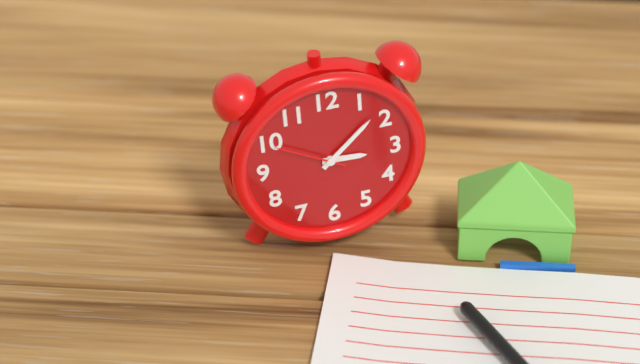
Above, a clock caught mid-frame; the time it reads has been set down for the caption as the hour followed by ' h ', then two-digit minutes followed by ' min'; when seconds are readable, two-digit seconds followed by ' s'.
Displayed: 3 h 08 min 50 s
